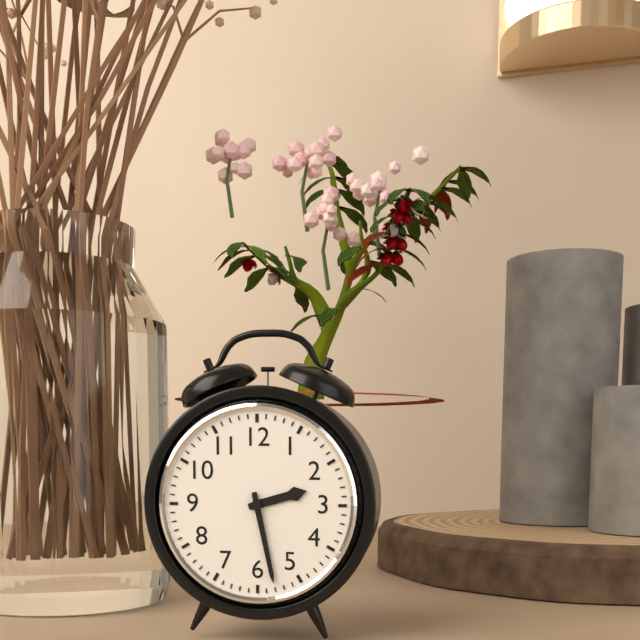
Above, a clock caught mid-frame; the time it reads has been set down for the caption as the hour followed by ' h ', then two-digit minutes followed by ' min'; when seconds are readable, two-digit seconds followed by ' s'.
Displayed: 2 h 28 min
